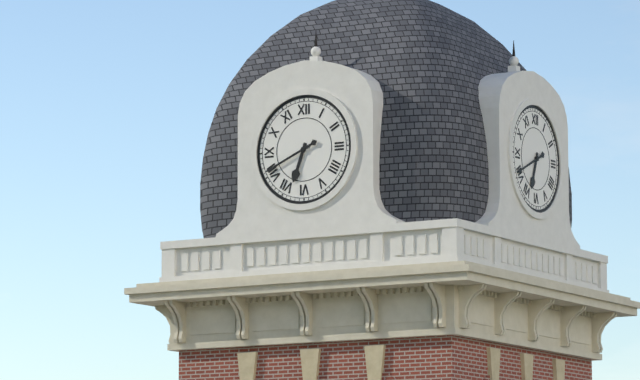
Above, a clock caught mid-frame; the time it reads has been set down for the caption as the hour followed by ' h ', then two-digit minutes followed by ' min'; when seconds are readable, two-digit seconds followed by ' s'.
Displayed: 6 h 41 min
